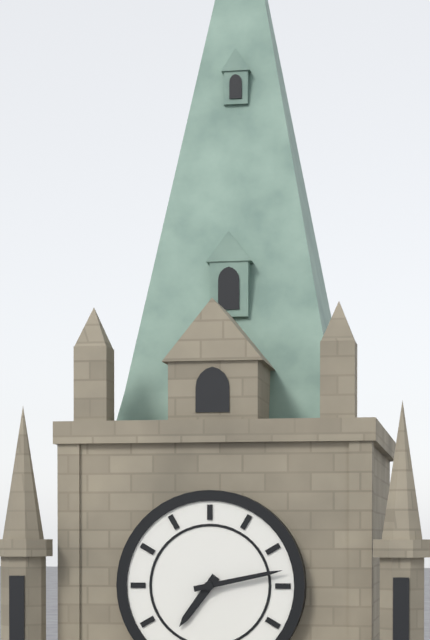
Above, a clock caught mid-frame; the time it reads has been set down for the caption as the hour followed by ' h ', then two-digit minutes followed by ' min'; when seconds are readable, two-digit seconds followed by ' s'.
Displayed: 7 h 13 min
